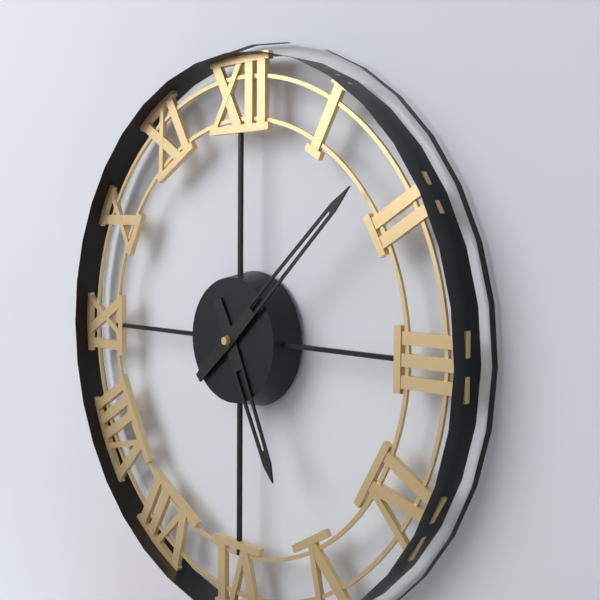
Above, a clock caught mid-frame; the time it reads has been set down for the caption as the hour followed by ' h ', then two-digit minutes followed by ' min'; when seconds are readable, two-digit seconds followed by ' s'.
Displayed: 5 h 08 min
